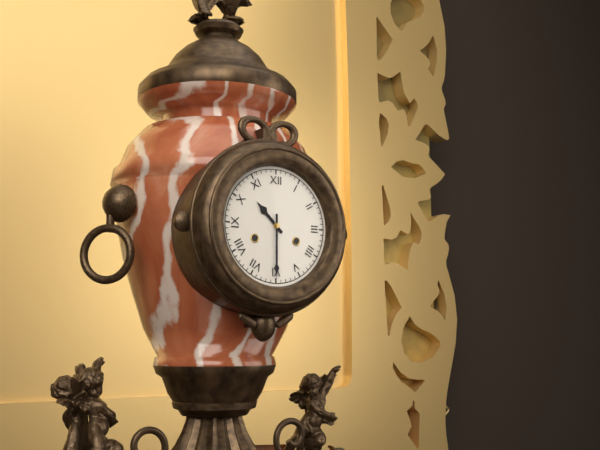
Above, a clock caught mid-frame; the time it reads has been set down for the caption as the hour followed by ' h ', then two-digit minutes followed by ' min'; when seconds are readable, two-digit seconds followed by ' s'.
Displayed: 10 h 30 min
